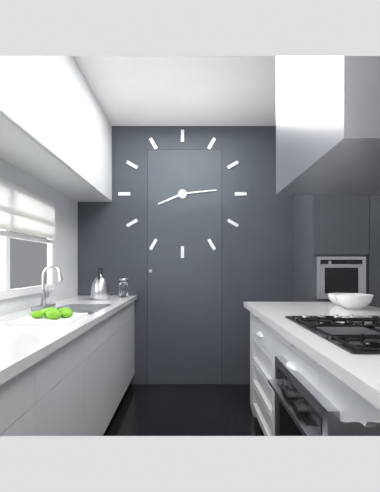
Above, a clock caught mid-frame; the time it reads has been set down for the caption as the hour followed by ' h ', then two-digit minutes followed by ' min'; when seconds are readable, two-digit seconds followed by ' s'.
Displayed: 8 h 14 min
